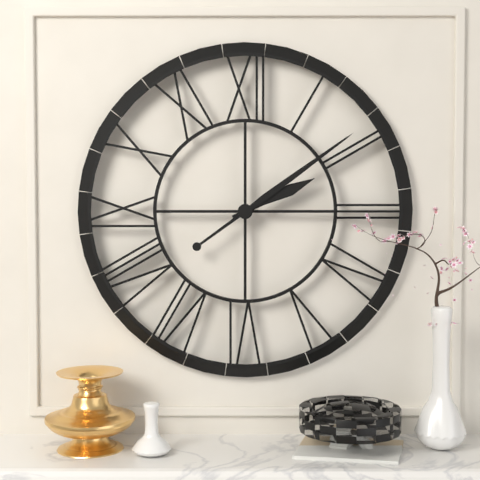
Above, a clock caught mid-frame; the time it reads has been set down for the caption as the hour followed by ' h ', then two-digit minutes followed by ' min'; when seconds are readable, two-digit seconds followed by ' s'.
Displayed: 2 h 09 min
